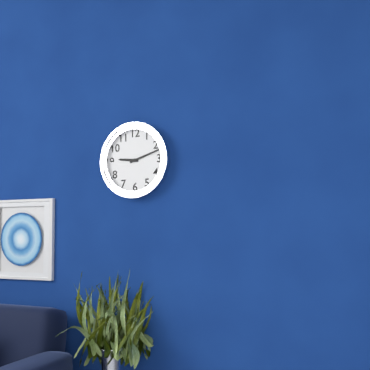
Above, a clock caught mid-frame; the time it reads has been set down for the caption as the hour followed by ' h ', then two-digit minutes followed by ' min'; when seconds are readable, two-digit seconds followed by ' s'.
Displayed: 9 h 12 min
